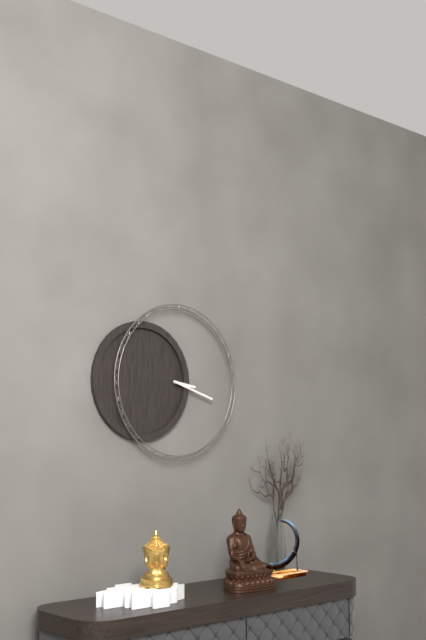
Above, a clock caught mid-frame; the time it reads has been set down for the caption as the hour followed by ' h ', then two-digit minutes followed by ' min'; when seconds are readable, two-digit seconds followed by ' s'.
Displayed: 3 h 18 min
